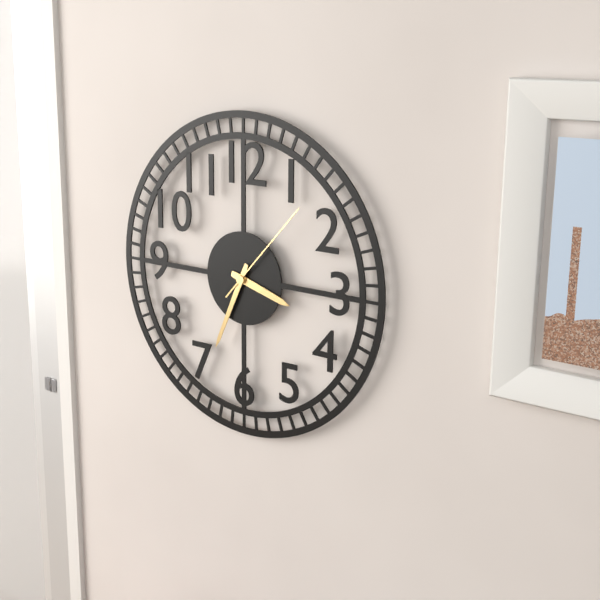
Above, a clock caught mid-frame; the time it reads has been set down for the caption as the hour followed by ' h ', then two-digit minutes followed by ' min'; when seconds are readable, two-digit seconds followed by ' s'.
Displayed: 3 h 34 min 07 s
